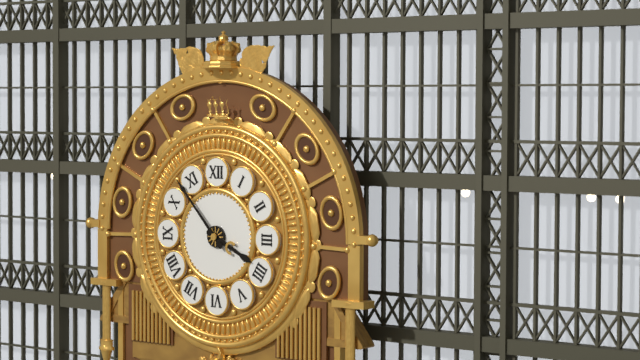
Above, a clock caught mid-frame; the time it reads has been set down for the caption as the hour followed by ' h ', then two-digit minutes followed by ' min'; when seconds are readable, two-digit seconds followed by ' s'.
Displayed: 3 h 53 min
